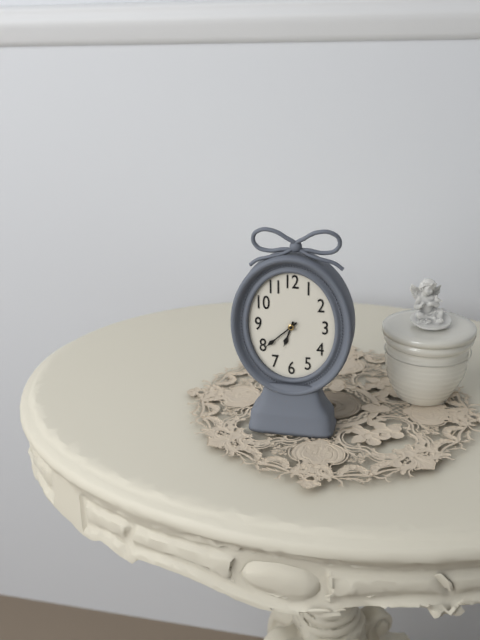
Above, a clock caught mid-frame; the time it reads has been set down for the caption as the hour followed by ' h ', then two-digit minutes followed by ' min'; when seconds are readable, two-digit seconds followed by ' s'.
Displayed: 6 h 38 min
